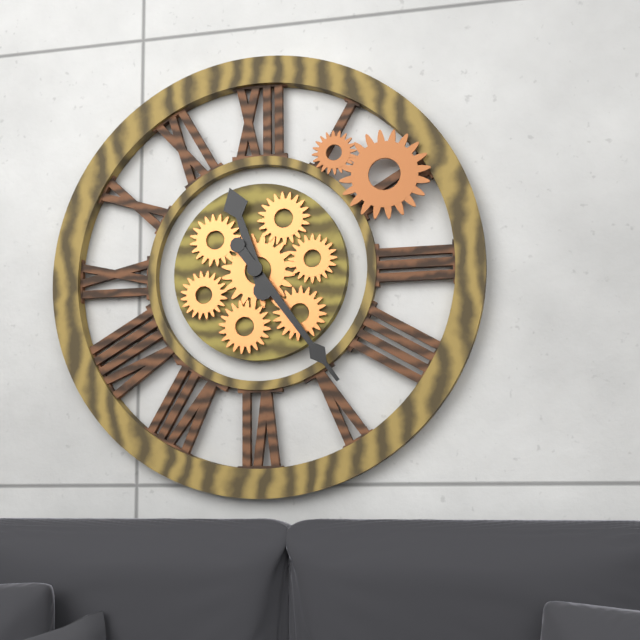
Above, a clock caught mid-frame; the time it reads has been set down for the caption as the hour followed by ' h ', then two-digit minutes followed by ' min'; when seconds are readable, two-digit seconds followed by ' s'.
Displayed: 11 h 24 min
